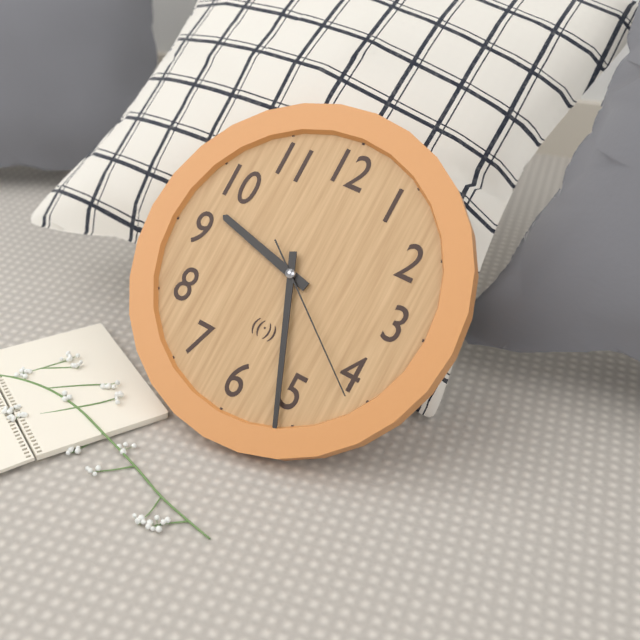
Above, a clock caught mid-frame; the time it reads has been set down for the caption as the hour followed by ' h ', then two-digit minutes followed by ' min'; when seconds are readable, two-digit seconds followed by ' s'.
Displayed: 9 h 26 min 21 s
